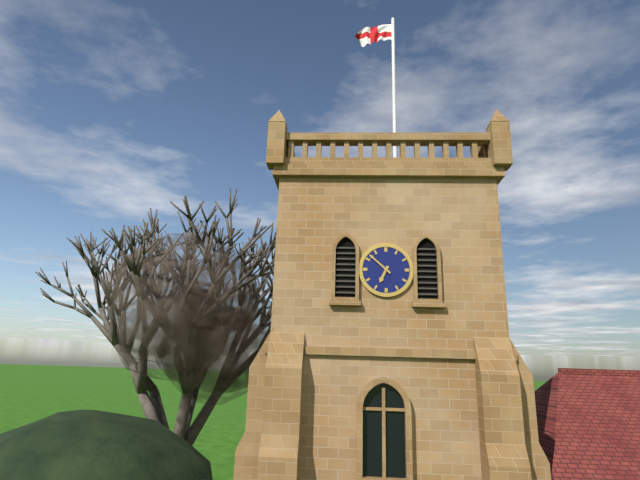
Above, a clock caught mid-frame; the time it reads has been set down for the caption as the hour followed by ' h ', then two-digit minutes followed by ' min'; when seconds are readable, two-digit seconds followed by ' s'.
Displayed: 6 h 52 min
